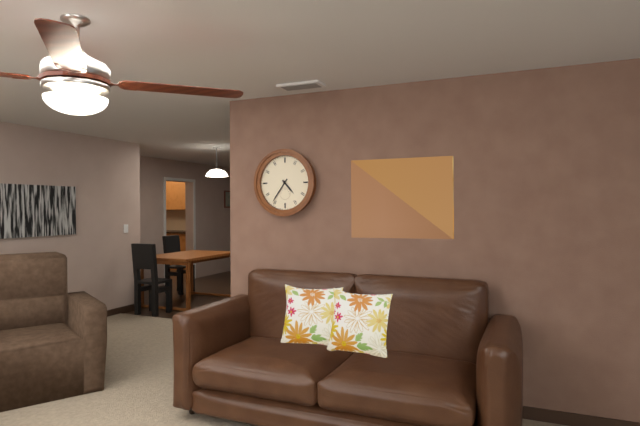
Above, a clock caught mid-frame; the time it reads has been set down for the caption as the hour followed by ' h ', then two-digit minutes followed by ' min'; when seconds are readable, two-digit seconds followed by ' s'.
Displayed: 4 h 36 min
